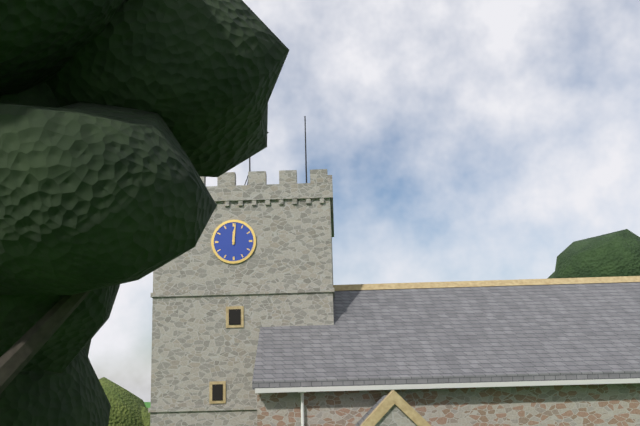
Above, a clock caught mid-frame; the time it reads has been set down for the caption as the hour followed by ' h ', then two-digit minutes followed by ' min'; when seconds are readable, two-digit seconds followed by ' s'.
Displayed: 12 h 01 min
